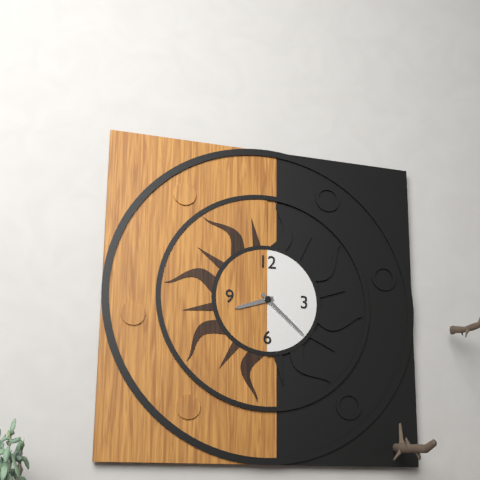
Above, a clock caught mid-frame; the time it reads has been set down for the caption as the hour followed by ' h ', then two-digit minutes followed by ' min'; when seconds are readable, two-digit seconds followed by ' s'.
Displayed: 8 h 22 min
